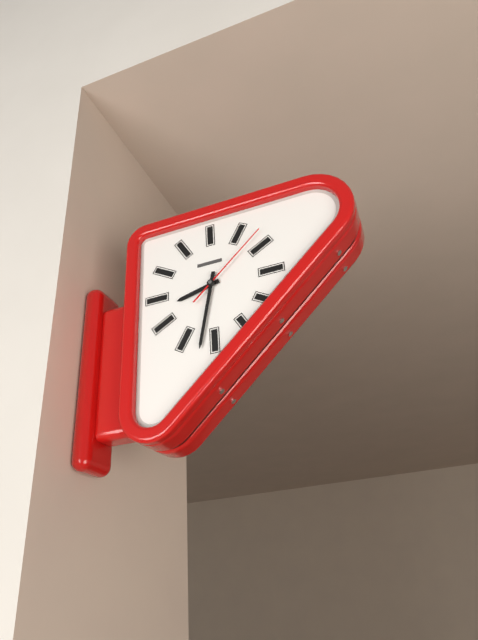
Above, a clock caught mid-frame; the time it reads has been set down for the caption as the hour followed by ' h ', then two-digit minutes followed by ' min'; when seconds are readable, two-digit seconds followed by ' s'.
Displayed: 8 h 32 min 08 s
